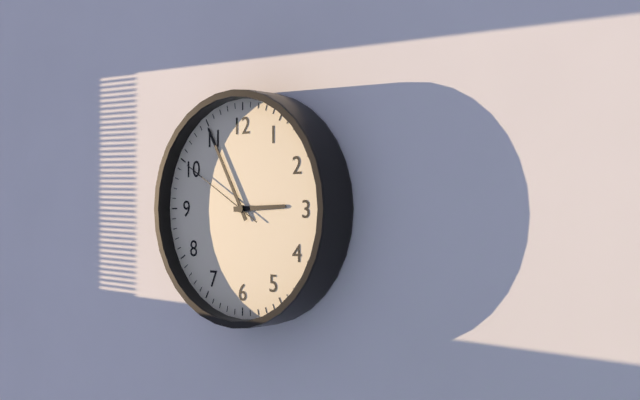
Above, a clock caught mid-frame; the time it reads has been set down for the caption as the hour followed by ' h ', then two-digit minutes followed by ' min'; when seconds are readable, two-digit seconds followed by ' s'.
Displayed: 2 h 55 min 50 s
